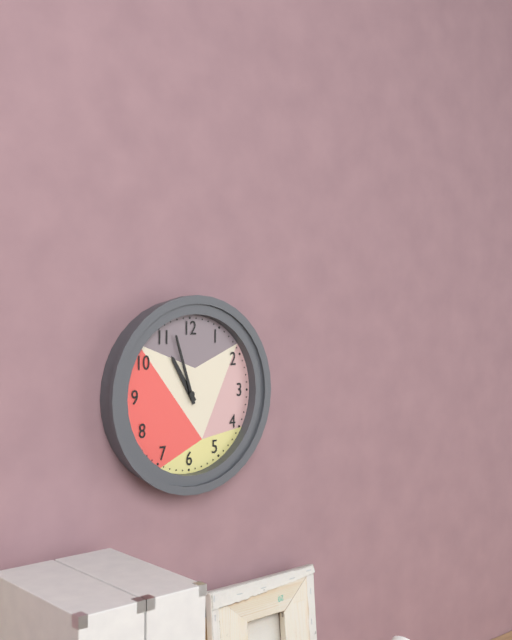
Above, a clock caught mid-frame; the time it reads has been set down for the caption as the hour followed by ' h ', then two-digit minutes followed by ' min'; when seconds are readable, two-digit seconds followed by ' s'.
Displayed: 10 h 57 min
